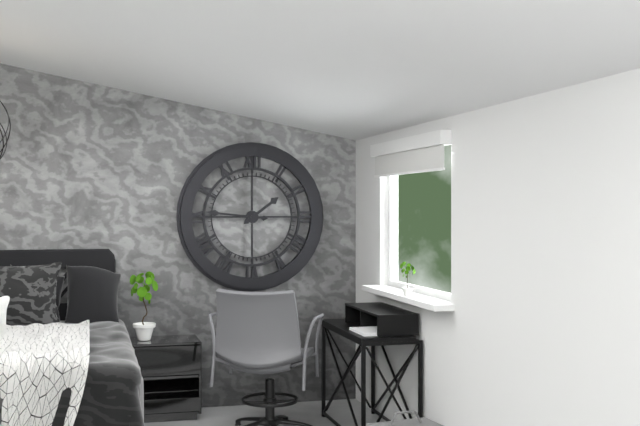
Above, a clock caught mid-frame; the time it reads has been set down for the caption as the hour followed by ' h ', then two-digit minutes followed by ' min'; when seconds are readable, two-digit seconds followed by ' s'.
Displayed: 1 h 46 min
